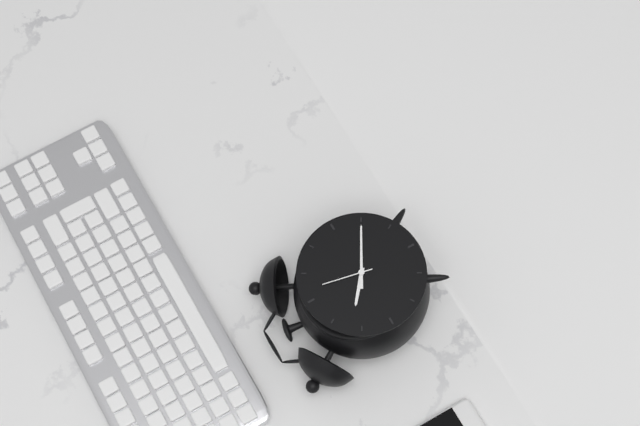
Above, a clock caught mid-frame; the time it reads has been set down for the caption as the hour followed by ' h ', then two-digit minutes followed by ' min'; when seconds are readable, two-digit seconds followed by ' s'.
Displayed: 10 h 20 min 02 s
